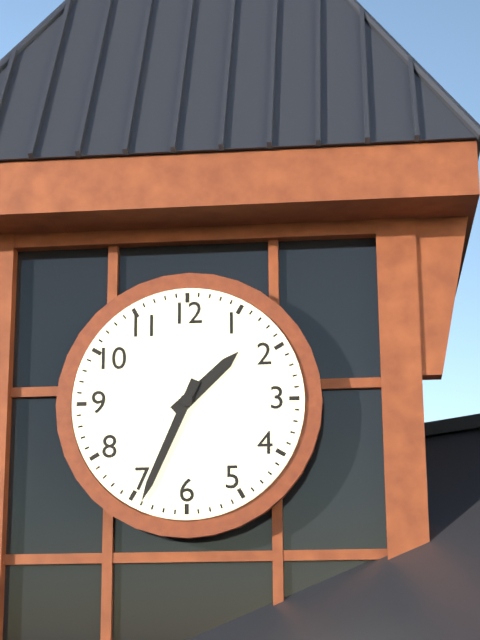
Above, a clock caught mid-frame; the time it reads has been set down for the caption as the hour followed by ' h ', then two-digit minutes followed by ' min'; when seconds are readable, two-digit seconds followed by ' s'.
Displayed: 1 h 34 min
